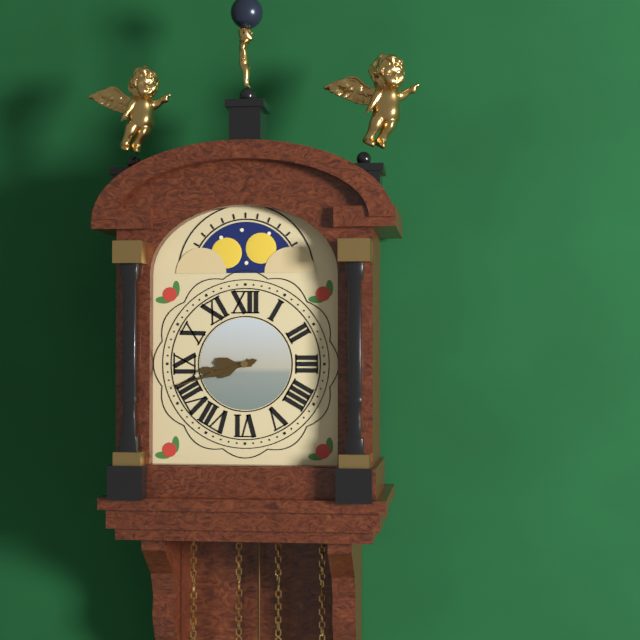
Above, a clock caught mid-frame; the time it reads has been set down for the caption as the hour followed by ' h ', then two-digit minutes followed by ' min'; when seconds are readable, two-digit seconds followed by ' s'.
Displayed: 8 h 42 min
